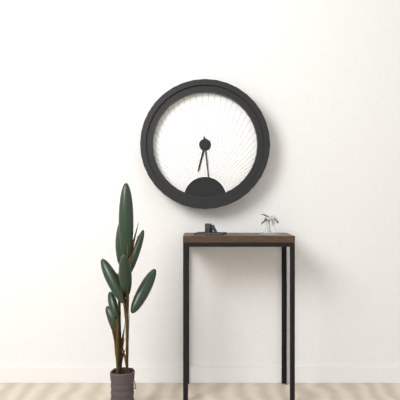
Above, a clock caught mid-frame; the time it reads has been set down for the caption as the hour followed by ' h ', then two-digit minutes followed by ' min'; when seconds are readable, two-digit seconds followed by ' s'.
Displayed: 6 h 29 min
